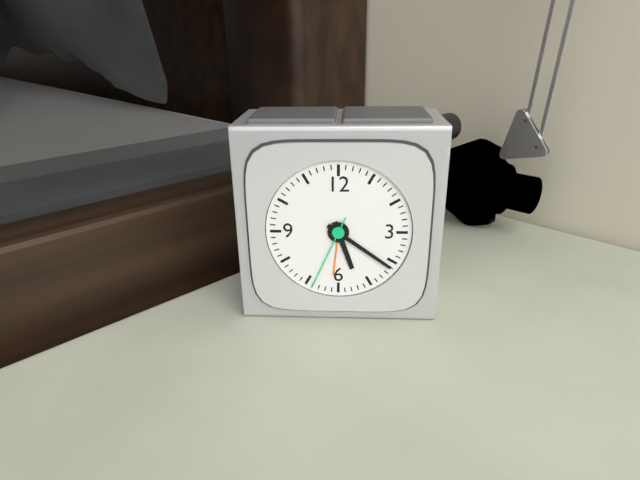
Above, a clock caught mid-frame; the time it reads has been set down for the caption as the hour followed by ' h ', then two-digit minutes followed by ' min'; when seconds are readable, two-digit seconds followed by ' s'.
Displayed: 5 h 21 min 34 s
